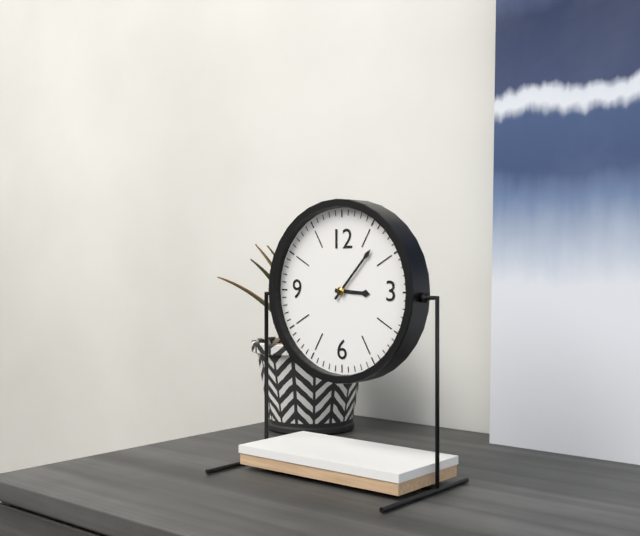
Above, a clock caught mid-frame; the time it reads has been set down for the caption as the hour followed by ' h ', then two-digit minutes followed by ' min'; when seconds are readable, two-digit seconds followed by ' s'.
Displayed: 3 h 07 min
